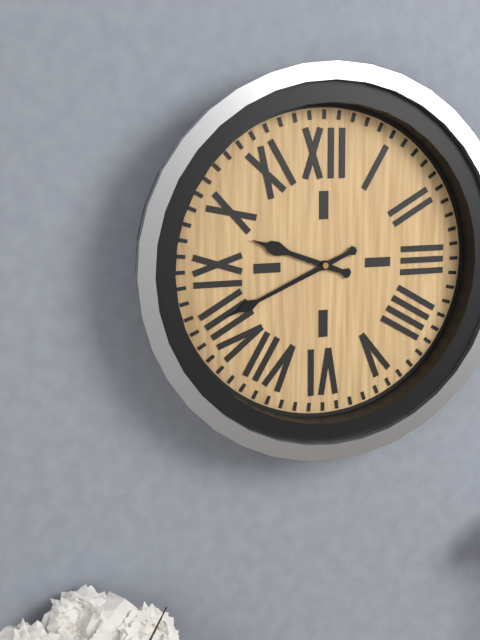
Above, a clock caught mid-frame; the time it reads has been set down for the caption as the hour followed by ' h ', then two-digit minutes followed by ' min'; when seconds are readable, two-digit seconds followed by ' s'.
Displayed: 9 h 41 min
